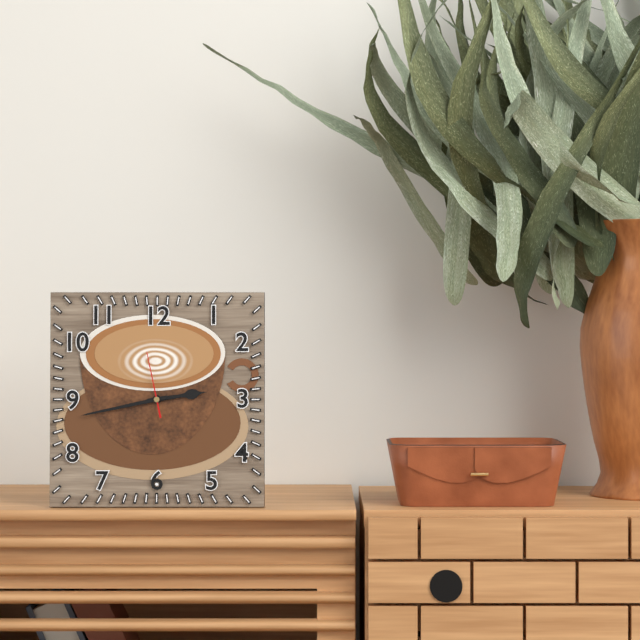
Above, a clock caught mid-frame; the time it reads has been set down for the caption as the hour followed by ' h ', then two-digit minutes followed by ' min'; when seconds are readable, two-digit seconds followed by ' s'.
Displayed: 2 h 43 min 58 s
